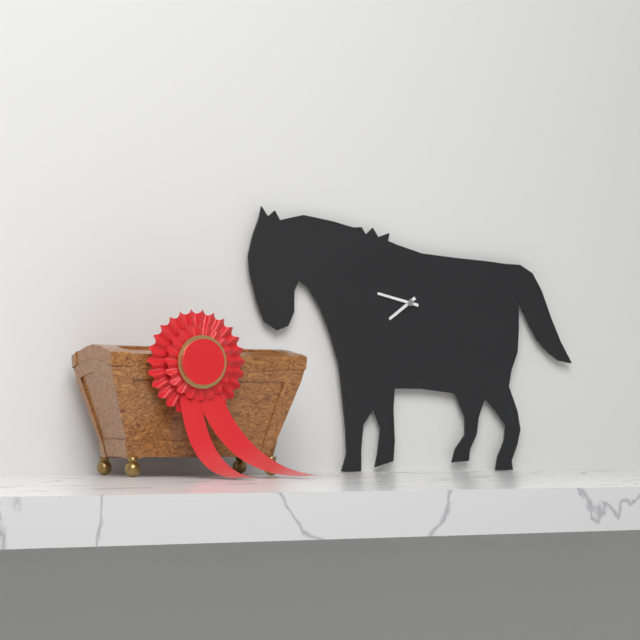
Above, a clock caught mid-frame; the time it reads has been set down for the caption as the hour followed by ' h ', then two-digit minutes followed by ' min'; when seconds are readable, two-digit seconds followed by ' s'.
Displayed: 7 h 47 min
